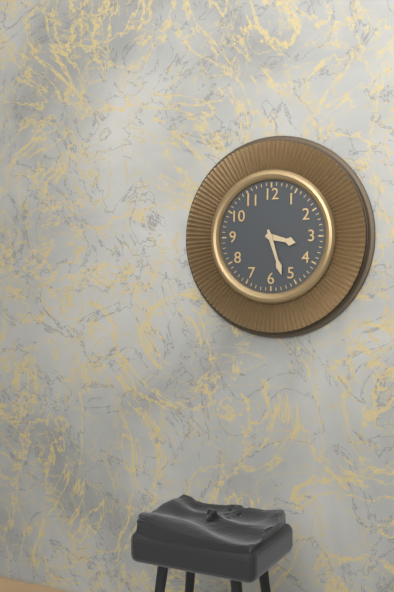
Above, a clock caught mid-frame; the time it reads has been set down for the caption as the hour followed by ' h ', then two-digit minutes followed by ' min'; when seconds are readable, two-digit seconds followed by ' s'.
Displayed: 3 h 27 min
